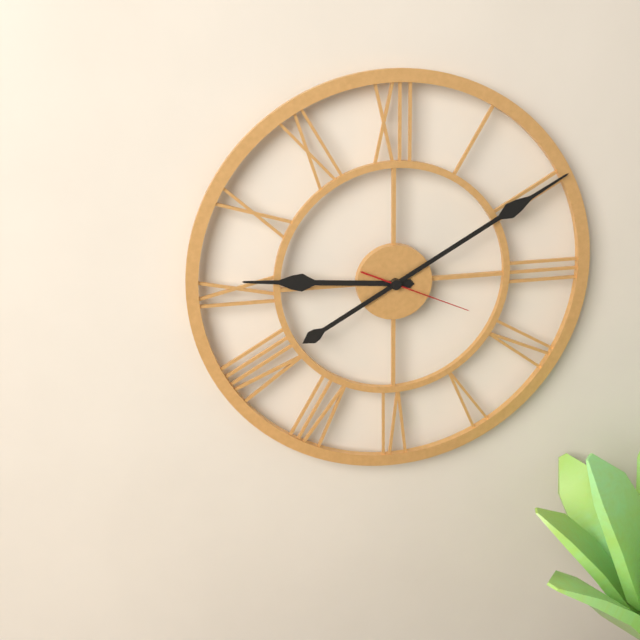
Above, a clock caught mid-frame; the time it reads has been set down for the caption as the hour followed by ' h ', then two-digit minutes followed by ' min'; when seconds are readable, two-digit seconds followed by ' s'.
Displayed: 9 h 10 min 19 s
